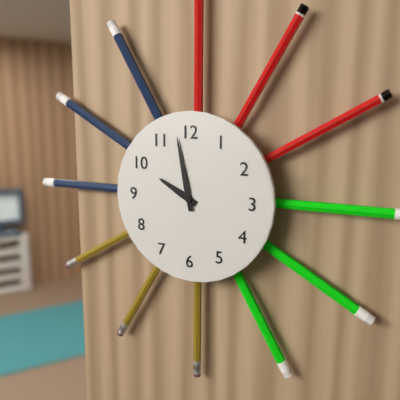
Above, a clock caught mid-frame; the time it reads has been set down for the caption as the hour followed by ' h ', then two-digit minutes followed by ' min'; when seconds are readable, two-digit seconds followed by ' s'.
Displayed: 9 h 58 min
